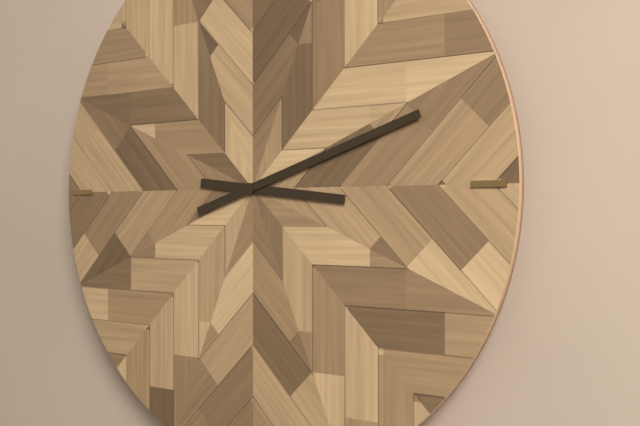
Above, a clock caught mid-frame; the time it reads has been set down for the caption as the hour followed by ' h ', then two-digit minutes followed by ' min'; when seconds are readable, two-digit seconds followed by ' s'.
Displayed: 3 h 12 min
